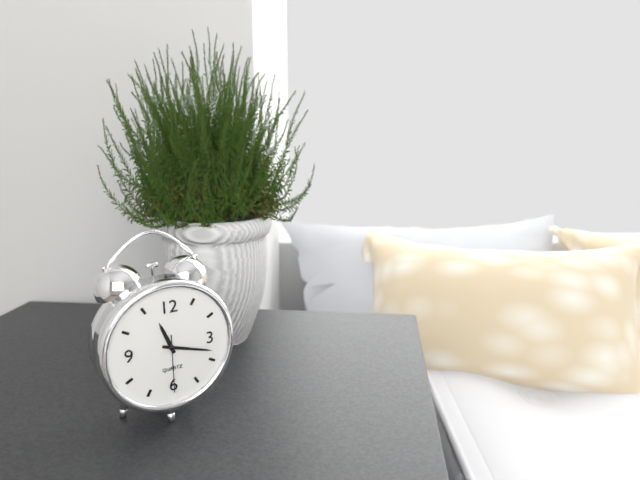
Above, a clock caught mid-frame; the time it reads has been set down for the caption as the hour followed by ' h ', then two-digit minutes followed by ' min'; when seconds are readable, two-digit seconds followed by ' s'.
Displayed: 11 h 18 min 30 s
